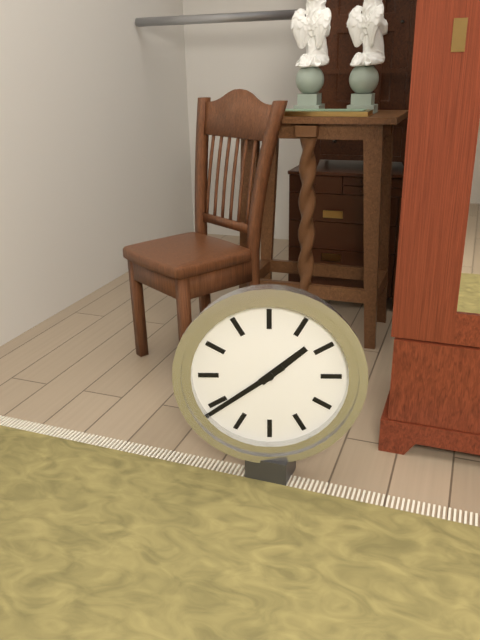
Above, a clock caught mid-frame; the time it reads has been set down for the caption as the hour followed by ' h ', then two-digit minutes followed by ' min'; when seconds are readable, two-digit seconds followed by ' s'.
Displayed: 1 h 39 min
